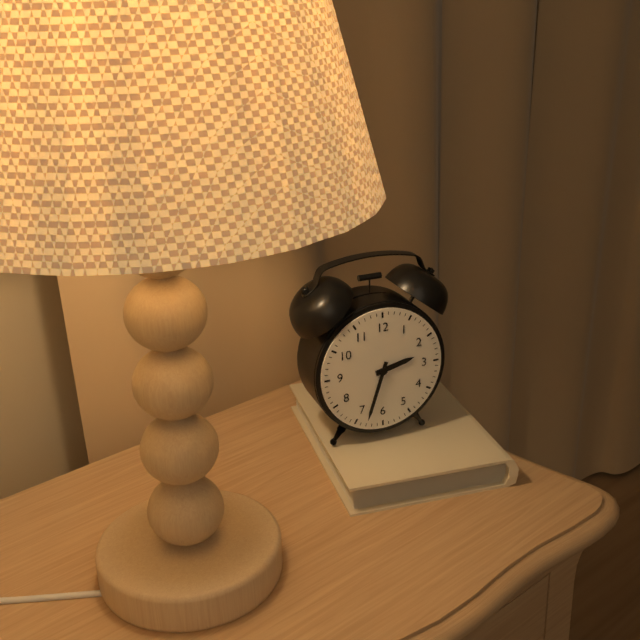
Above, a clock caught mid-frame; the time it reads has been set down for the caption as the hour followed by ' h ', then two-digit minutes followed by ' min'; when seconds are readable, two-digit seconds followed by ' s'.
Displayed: 2 h 33 min
